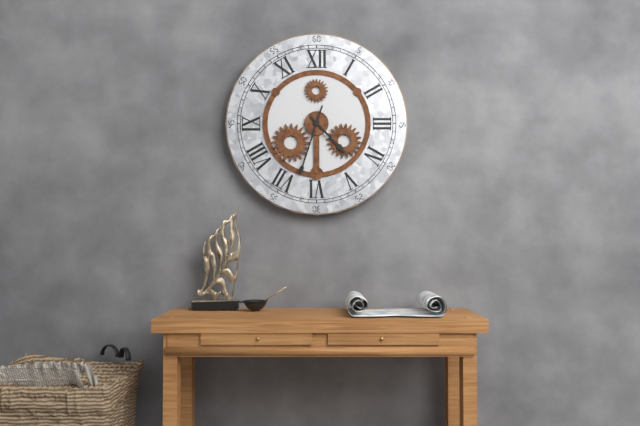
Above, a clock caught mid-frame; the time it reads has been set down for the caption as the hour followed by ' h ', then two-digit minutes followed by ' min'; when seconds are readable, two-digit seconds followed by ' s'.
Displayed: 4 h 33 min
